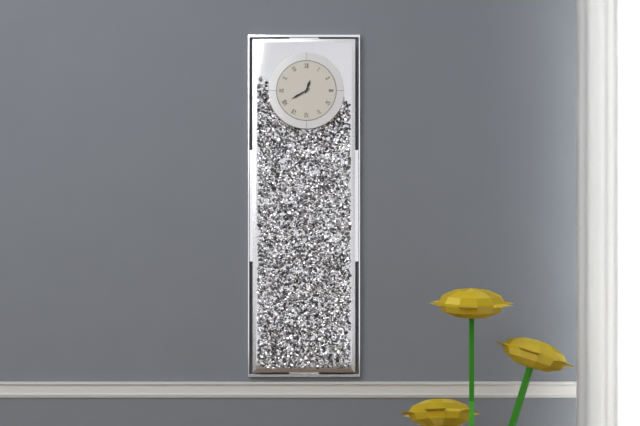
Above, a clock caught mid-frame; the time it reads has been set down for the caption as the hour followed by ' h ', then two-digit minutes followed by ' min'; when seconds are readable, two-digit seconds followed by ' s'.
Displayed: 12 h 40 min
